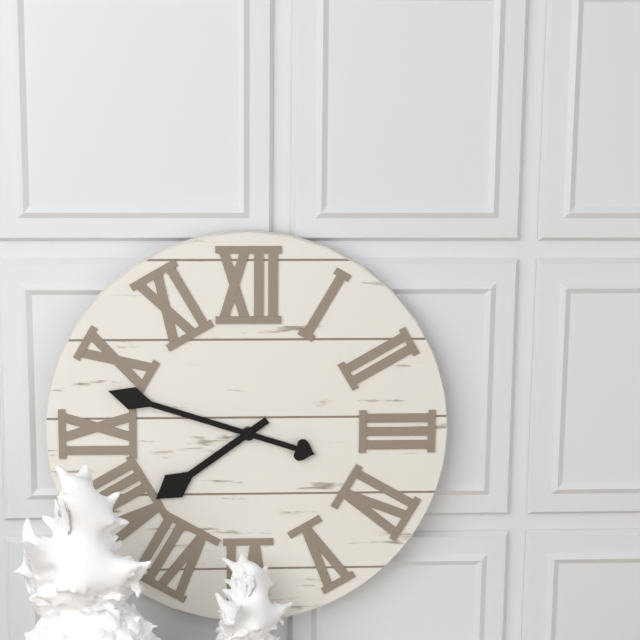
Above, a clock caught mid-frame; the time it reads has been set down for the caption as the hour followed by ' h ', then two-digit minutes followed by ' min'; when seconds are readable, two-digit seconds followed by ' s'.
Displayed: 7 h 48 min
